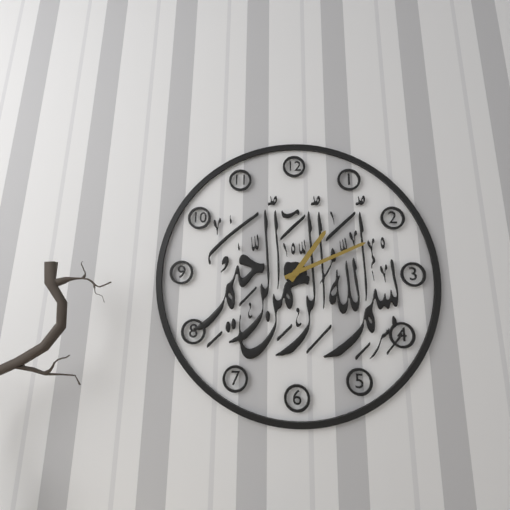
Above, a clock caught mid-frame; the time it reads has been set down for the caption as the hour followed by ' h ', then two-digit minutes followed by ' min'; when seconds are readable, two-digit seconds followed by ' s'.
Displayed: 1 h 11 min
